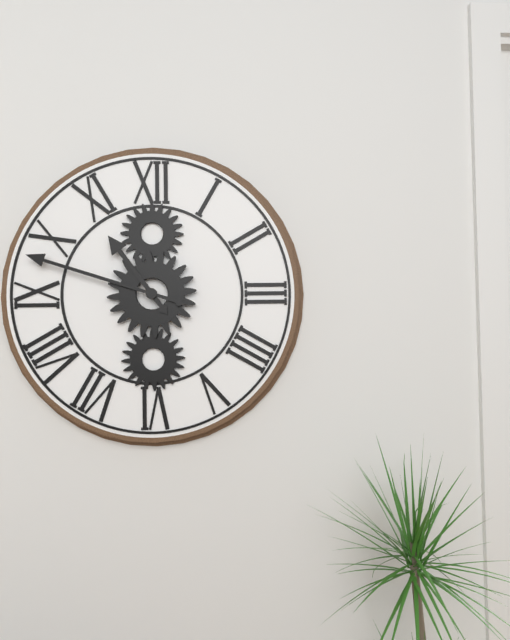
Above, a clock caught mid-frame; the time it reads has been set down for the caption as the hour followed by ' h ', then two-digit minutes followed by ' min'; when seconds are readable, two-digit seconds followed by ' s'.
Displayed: 10 h 48 min
